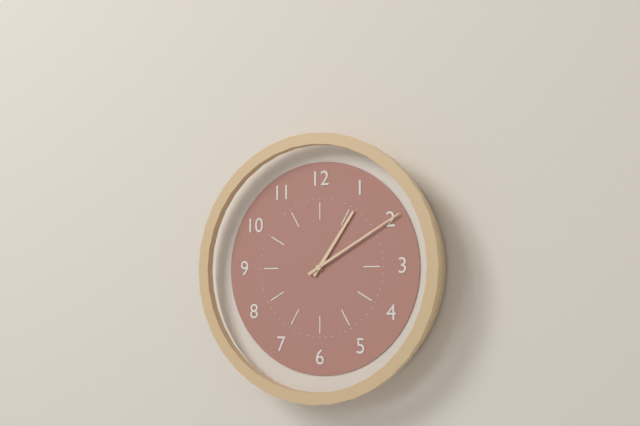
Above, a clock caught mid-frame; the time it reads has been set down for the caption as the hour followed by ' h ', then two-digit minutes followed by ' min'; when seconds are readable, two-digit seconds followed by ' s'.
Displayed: 1 h 10 min
